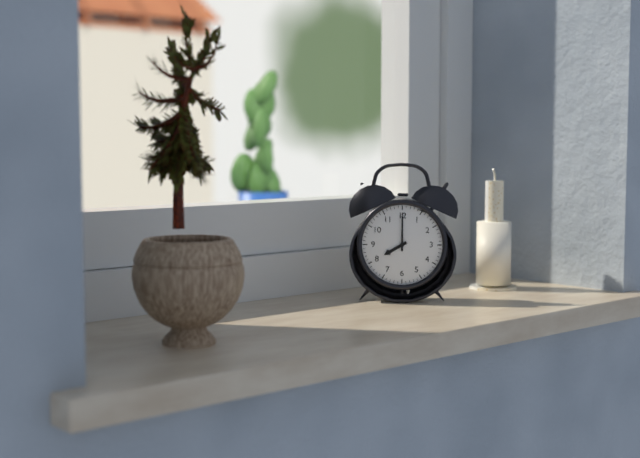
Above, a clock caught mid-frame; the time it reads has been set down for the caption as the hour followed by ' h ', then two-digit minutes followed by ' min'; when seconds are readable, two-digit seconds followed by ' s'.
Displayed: 8 h 00 min
